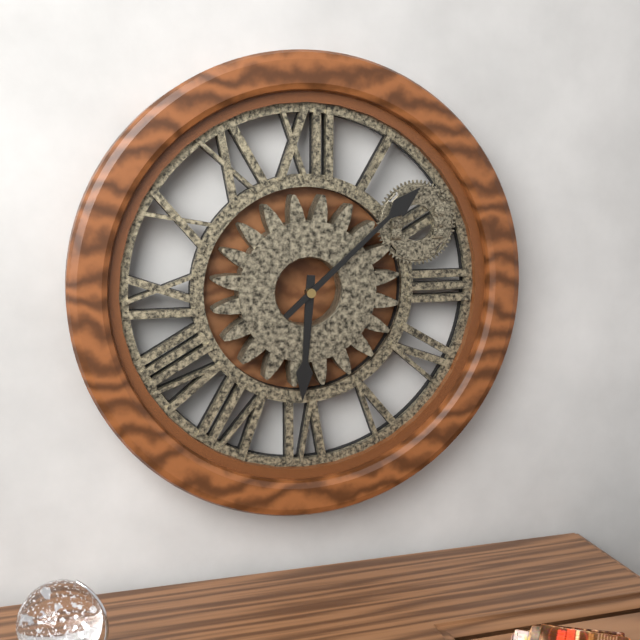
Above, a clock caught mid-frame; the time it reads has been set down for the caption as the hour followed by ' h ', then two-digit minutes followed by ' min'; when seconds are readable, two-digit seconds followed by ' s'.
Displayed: 6 h 08 min
